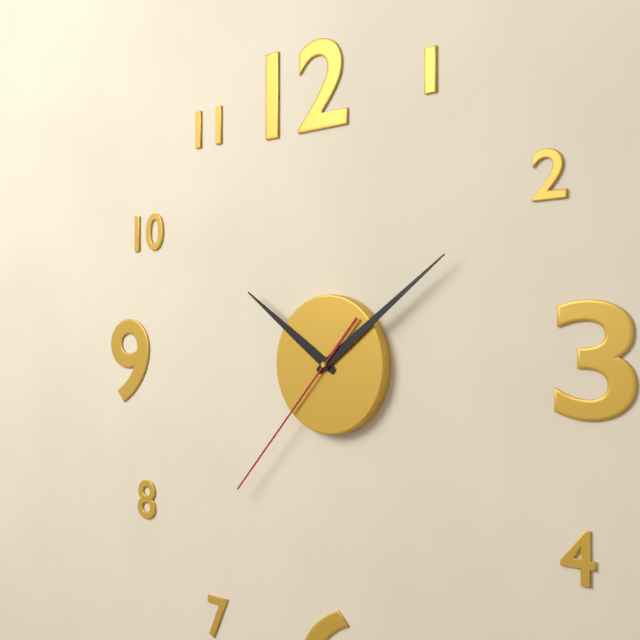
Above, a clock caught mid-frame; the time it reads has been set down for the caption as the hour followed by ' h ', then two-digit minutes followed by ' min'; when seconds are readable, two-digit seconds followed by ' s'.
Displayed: 10 h 09 min 37 s
